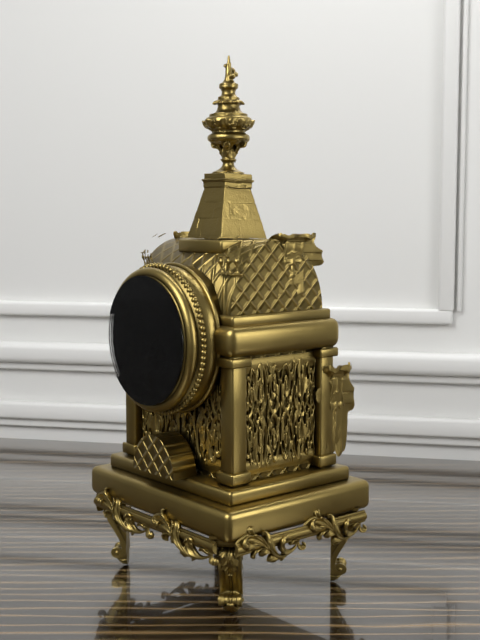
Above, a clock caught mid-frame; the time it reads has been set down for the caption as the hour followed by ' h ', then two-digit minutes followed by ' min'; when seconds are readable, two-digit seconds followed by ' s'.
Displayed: 7 h 31 min
